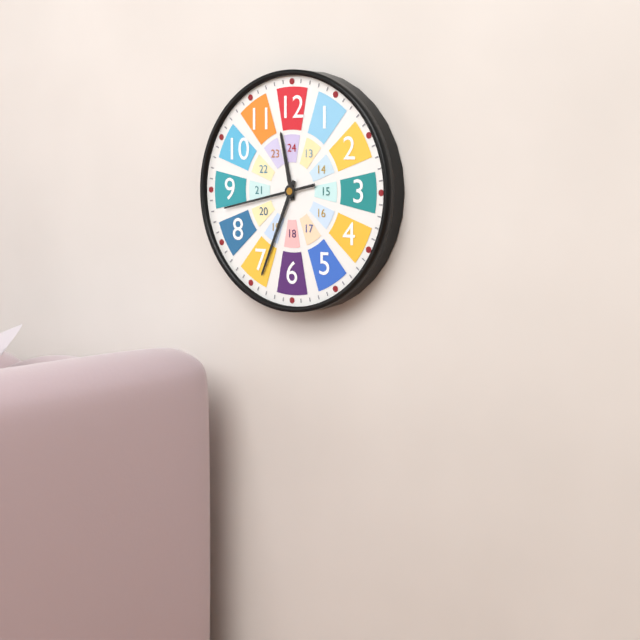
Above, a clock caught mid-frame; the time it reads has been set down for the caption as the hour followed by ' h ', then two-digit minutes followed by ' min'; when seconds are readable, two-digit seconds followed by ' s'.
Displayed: 11 h 34 min 43 s
